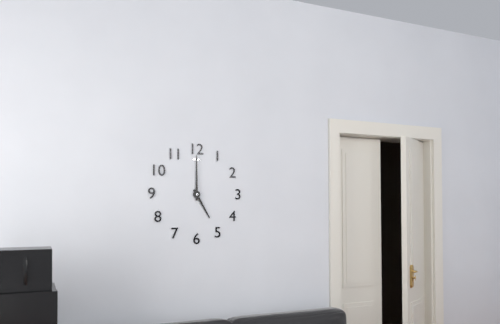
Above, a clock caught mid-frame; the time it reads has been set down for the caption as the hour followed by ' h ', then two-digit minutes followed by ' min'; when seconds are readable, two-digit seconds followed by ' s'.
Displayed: 5 h 00 min
